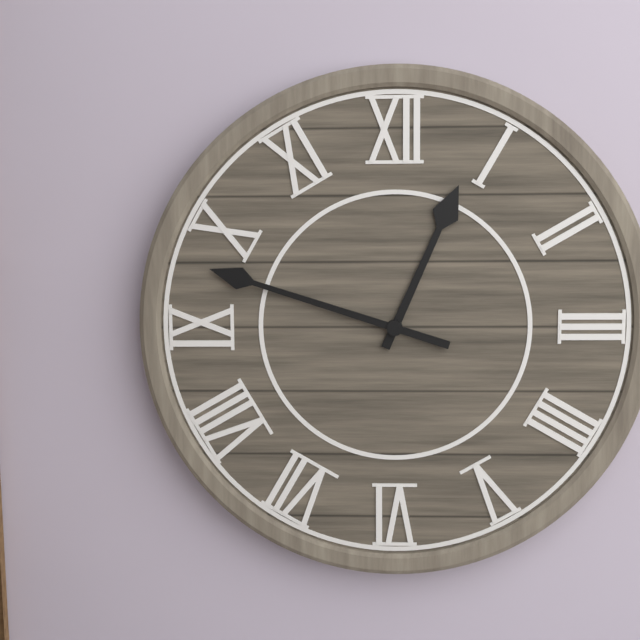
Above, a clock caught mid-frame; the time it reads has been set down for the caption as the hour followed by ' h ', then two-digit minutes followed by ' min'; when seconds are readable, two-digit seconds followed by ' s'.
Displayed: 12 h 48 min
